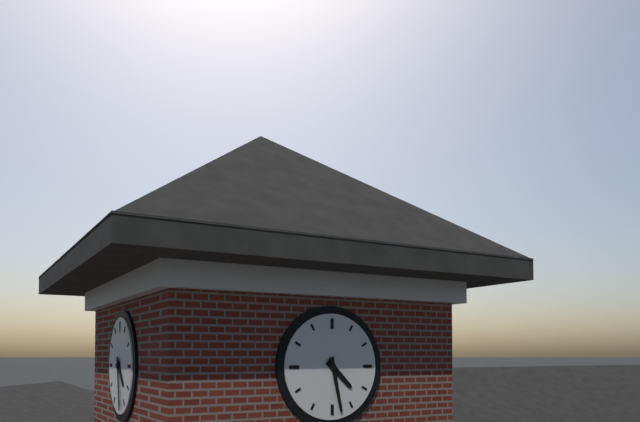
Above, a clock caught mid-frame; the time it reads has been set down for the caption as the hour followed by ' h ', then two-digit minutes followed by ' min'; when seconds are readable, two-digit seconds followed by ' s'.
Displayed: 4 h 28 min
